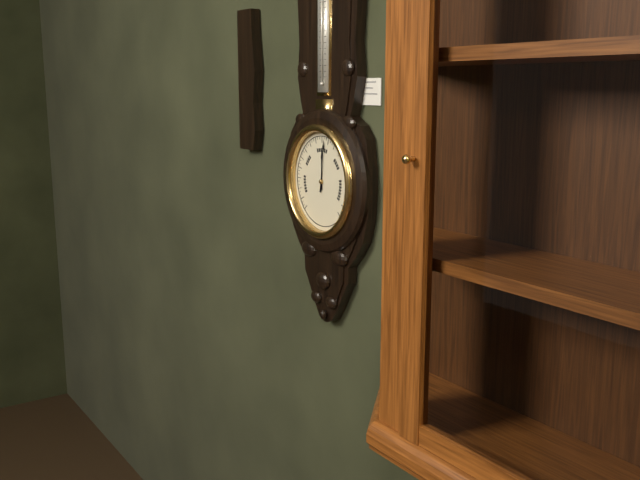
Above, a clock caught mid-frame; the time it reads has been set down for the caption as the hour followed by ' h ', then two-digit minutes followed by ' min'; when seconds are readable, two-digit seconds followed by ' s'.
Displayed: 12 h 01 min
